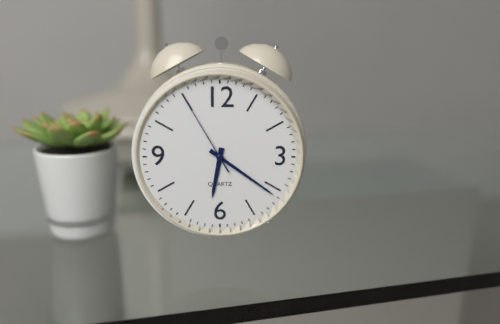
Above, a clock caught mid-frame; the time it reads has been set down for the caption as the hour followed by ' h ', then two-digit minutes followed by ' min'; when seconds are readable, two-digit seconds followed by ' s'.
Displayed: 6 h 21 min 55 s
